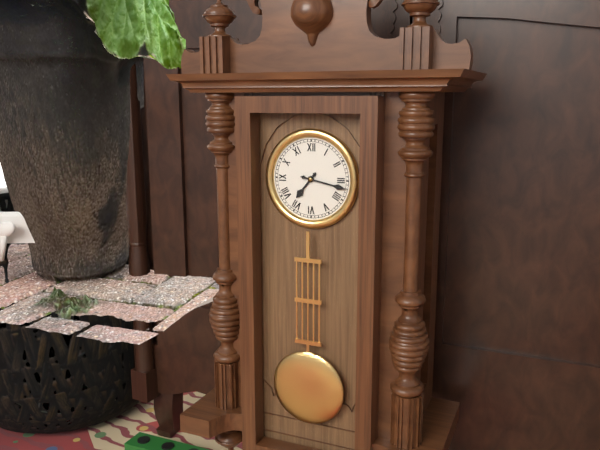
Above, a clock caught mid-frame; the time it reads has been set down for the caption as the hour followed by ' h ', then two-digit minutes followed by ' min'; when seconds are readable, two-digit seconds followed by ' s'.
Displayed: 7 h 17 min
